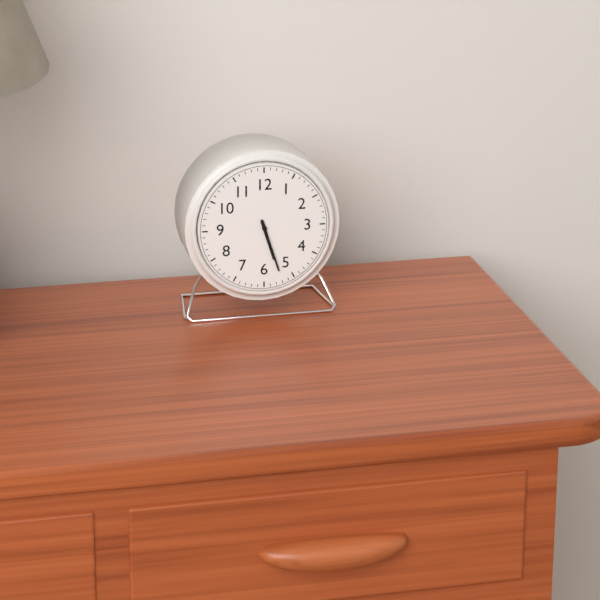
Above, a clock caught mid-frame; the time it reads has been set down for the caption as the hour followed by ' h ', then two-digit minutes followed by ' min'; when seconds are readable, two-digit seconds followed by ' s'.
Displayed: 5 h 27 min
